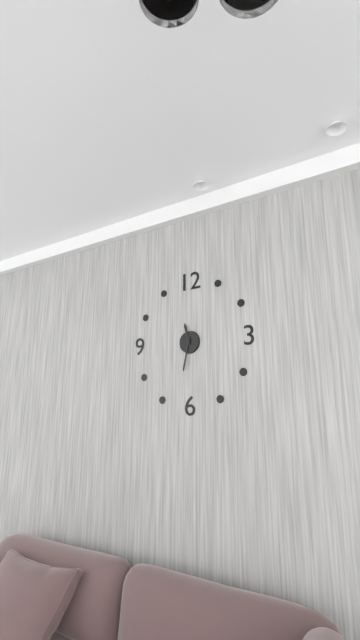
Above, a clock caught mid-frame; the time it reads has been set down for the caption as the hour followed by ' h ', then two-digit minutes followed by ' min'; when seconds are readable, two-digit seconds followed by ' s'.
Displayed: 11 h 32 min
